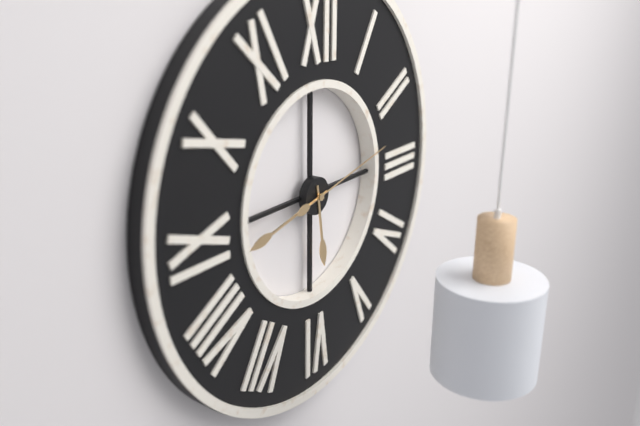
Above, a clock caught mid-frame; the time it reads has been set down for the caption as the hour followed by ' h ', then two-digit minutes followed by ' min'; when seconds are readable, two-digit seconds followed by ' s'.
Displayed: 5 h 43 min 13 s
